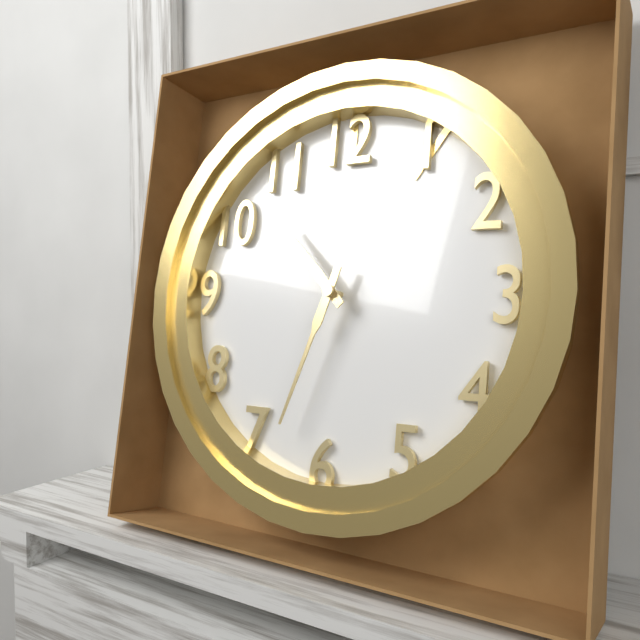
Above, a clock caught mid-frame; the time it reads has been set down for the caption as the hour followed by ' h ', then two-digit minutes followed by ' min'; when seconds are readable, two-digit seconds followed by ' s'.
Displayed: 10 h 33 min
